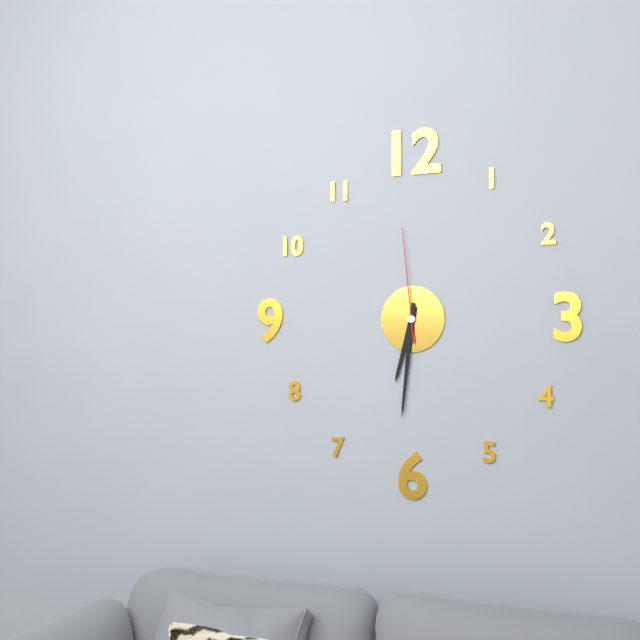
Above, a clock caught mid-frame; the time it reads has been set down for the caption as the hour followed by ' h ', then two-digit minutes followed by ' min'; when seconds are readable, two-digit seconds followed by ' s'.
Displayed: 6 h 31 min 59 s
